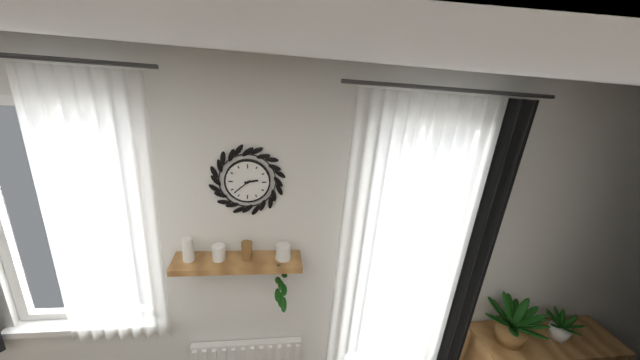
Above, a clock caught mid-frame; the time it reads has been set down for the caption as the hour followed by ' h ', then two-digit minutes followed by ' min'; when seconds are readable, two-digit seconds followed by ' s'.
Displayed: 2 h 38 min
